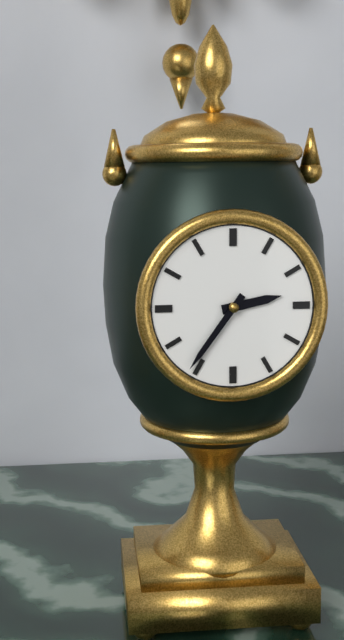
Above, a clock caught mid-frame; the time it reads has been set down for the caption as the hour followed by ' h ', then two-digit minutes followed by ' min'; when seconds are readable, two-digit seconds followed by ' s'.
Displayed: 2 h 36 min
